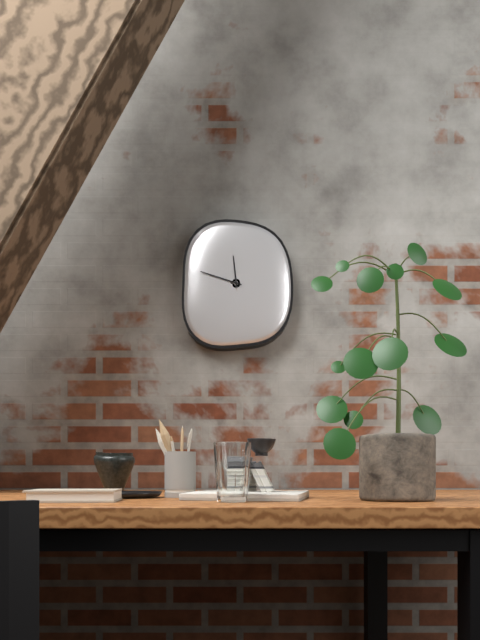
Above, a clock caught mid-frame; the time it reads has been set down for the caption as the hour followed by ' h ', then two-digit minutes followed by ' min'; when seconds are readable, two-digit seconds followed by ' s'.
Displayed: 11 h 48 min
